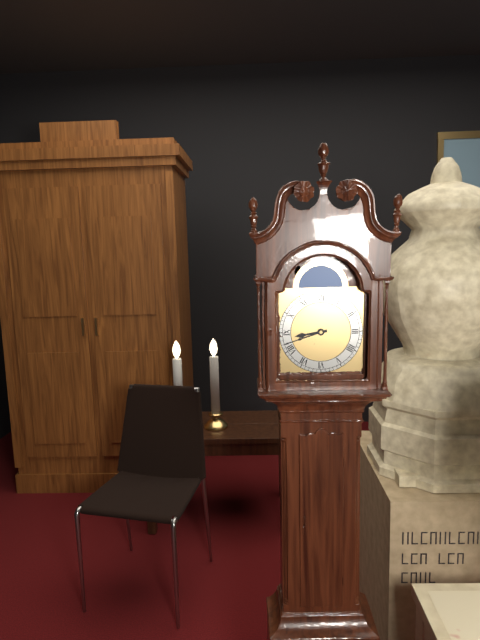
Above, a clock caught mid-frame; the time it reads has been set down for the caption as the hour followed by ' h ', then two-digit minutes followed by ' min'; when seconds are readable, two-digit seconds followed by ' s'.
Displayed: 8 h 42 min
